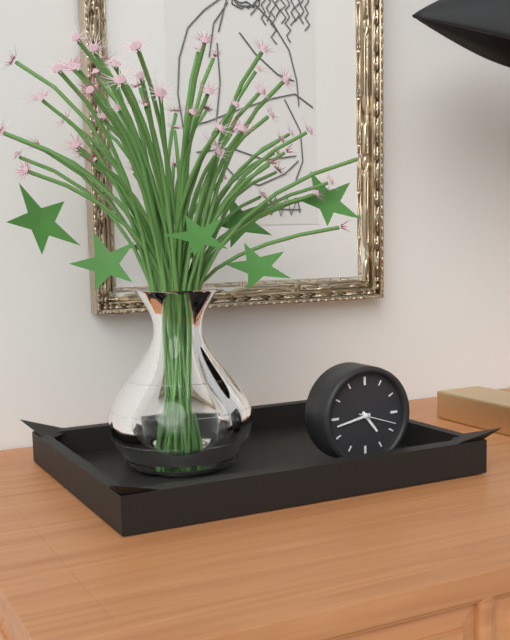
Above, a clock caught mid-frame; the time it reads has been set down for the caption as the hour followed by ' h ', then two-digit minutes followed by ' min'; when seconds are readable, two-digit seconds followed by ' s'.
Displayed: 4 h 43 min
